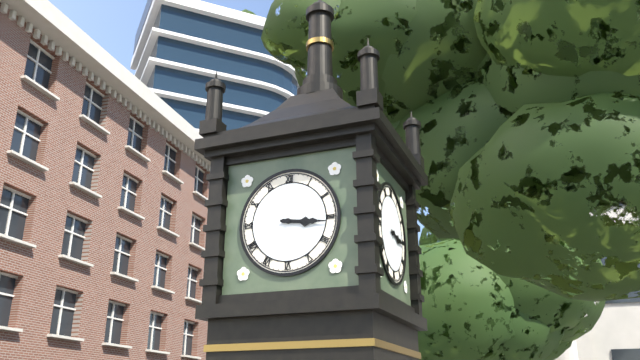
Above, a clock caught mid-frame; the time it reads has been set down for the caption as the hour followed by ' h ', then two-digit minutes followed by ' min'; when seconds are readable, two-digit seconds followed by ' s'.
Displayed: 3 h 16 min
